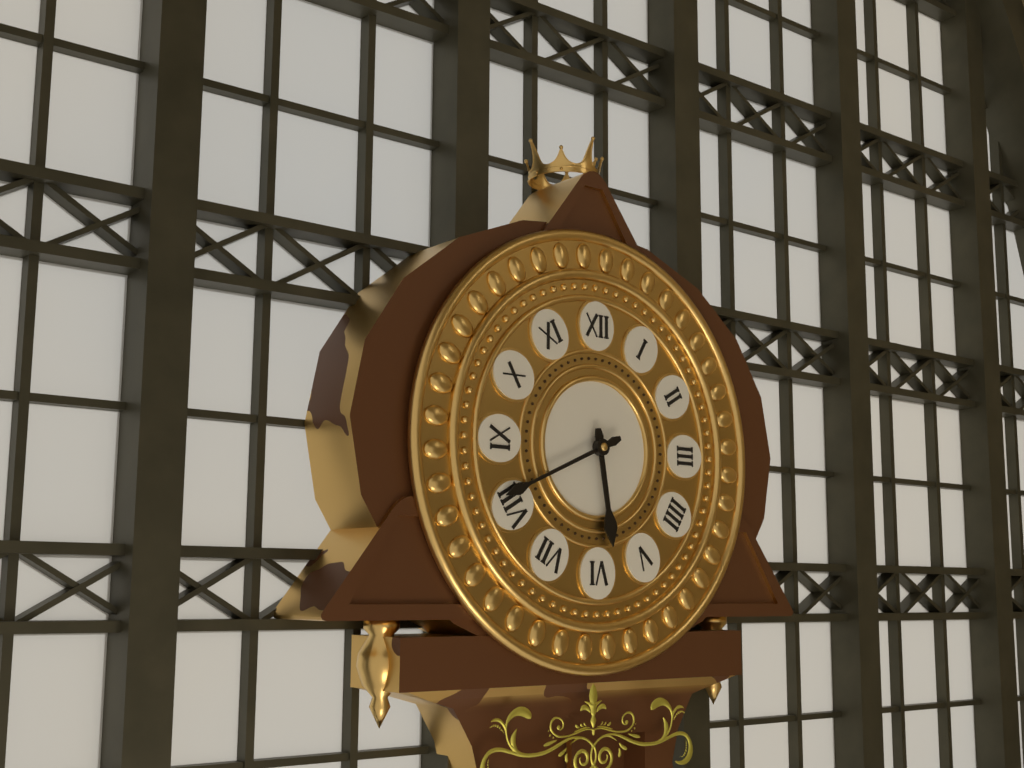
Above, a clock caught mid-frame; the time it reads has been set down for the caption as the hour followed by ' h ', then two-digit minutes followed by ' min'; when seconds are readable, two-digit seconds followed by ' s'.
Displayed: 5 h 41 min
